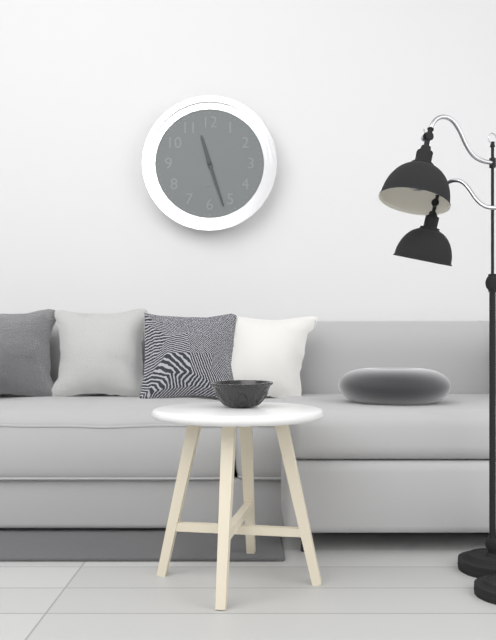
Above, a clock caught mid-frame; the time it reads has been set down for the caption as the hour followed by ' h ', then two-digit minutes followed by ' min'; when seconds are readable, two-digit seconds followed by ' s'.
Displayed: 11 h 27 min
